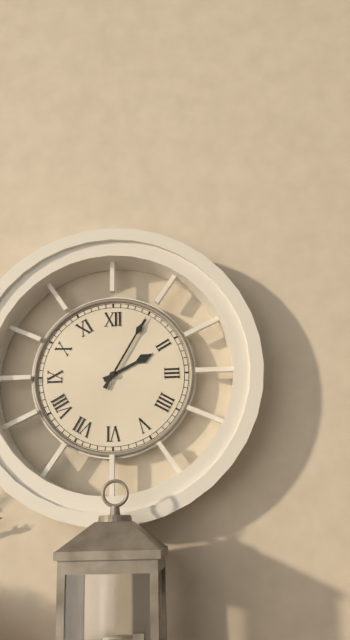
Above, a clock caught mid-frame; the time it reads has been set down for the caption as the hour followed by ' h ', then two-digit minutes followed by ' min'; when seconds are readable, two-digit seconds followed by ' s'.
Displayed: 2 h 05 min
